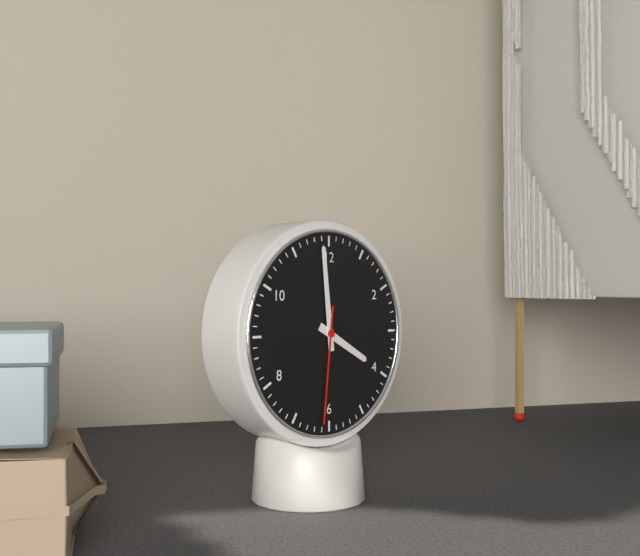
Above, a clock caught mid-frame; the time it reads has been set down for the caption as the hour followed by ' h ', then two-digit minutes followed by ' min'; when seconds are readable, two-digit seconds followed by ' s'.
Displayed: 3 h 59 min 31 s
